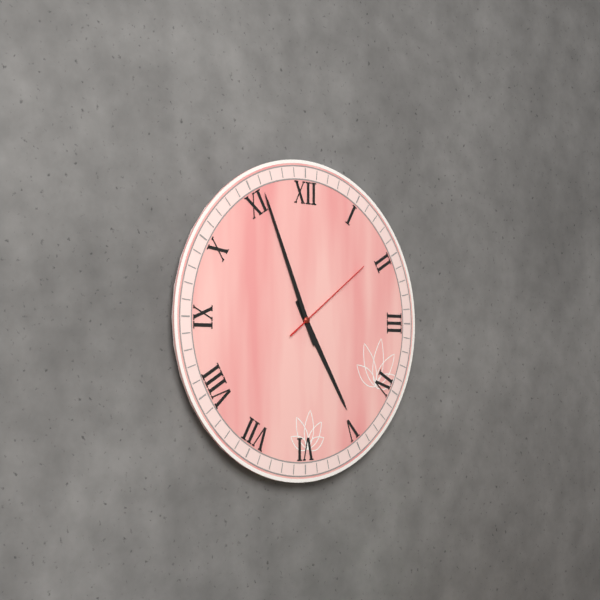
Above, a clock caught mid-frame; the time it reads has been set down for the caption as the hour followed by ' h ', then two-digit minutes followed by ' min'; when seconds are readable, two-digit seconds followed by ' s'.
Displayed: 4 h 56 min 09 s
